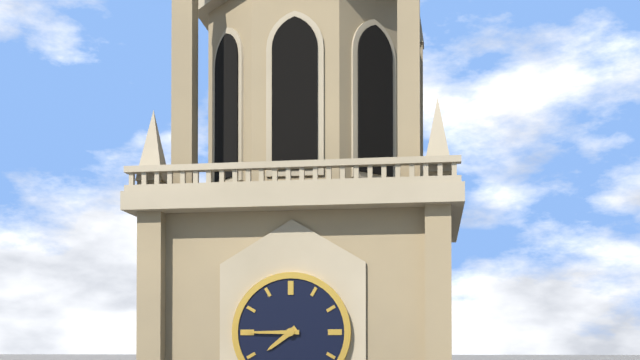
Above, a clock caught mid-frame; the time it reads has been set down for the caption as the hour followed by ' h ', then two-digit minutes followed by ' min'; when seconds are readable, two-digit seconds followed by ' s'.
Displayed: 7 h 45 min
